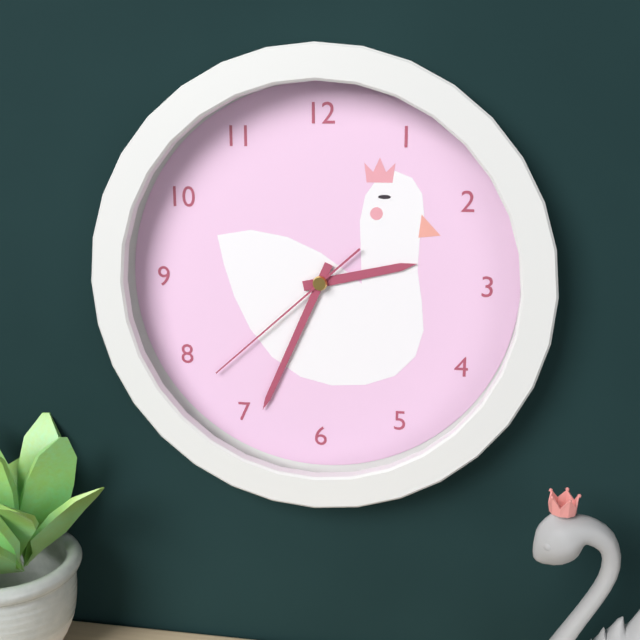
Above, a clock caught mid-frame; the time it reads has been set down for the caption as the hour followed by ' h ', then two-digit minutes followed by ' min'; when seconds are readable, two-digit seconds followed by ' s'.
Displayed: 2 h 34 min 38 s
